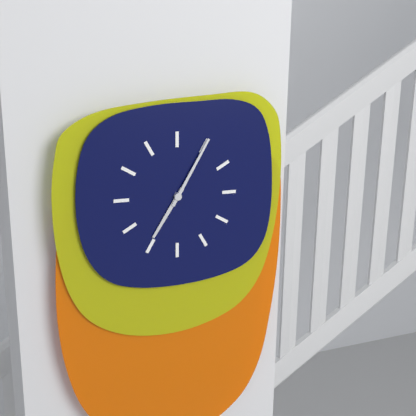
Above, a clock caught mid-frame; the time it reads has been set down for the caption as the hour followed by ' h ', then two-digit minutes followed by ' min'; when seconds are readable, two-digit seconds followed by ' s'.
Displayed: 7 h 05 min
